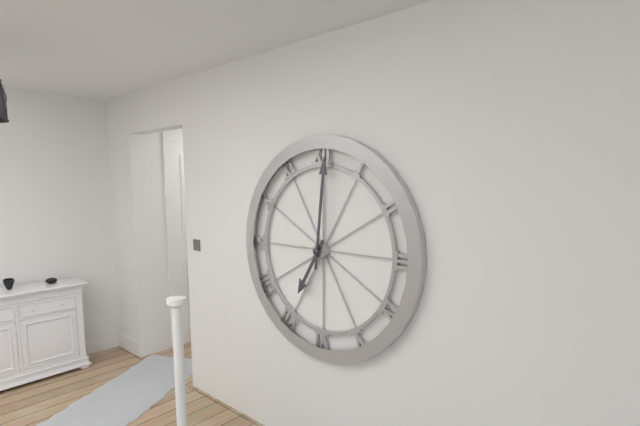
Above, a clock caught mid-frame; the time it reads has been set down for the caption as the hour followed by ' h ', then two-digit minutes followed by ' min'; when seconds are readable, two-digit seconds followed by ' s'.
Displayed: 7 h 01 min
